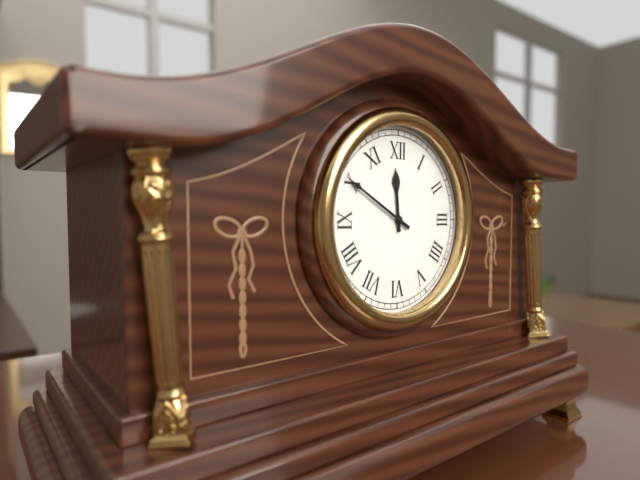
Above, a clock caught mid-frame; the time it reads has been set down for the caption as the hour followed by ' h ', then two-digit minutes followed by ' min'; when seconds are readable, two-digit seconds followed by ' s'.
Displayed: 11 h 50 min
